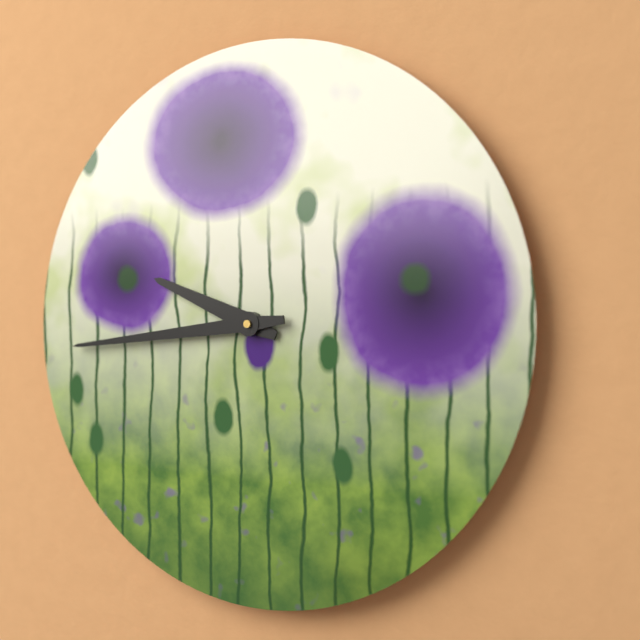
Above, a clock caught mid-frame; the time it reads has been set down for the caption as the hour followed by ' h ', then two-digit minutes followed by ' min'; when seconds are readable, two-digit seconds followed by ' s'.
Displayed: 9 h 44 min
